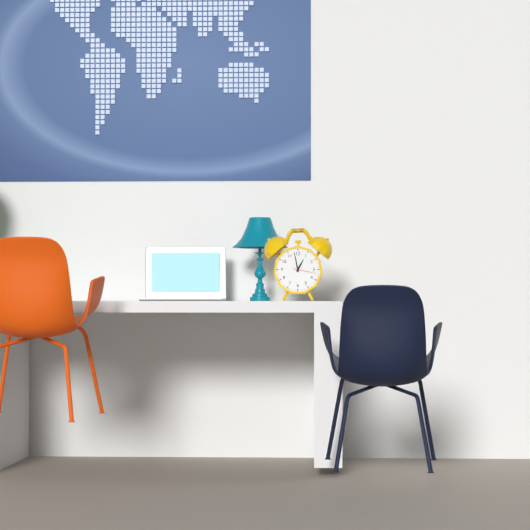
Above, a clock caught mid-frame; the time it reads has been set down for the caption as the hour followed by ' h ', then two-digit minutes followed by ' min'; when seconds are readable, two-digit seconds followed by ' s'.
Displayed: 12 h 58 min
